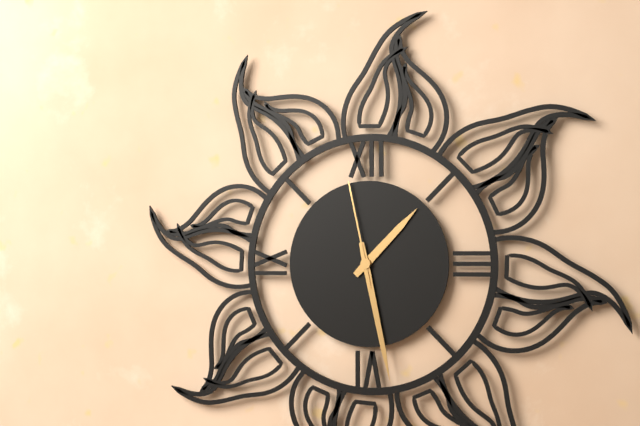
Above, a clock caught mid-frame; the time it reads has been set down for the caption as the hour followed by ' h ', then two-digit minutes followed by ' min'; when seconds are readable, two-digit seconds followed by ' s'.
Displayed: 1 h 28 min 58 s
